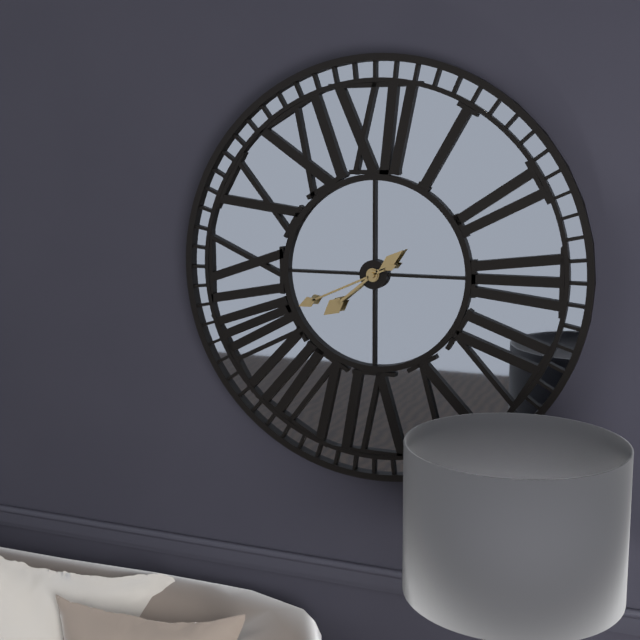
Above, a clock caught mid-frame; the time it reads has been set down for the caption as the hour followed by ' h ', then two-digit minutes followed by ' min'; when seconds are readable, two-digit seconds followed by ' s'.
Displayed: 7 h 41 min
